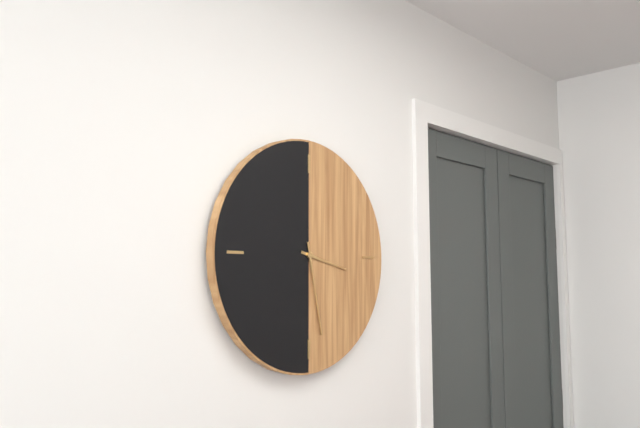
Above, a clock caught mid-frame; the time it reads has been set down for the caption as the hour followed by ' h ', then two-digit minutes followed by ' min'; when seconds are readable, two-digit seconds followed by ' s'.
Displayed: 3 h 28 min
